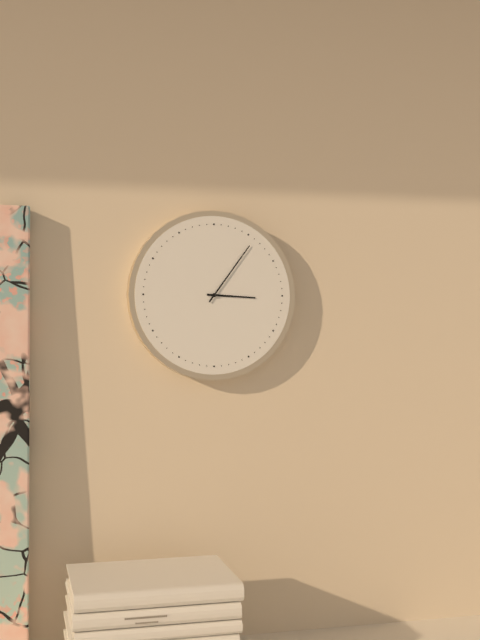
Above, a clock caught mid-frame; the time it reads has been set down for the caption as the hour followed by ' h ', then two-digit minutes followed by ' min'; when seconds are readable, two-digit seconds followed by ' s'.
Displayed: 3 h 06 min
